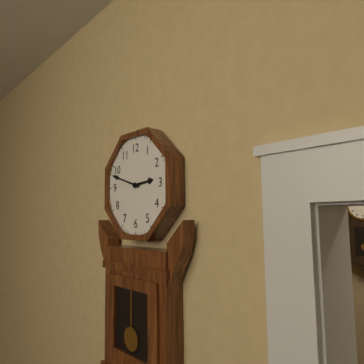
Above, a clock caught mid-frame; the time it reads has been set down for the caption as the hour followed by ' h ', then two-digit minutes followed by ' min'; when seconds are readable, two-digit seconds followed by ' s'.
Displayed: 2 h 48 min
